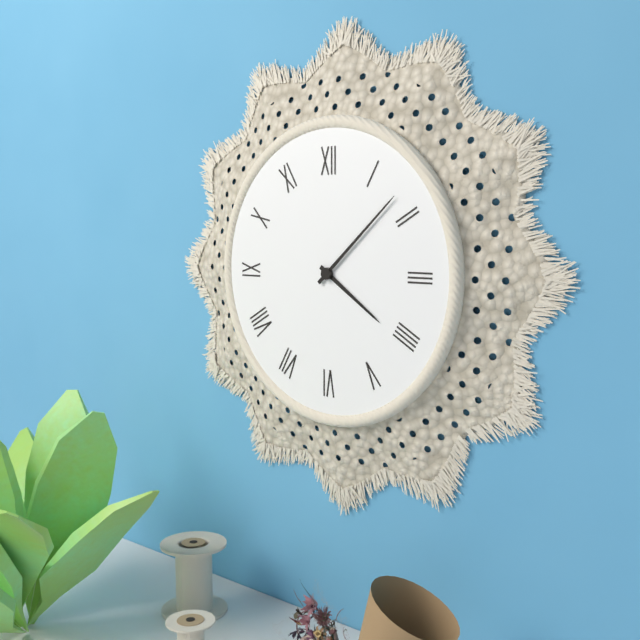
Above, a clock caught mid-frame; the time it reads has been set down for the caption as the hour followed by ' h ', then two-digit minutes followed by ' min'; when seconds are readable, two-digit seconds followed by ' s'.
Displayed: 4 h 08 min
